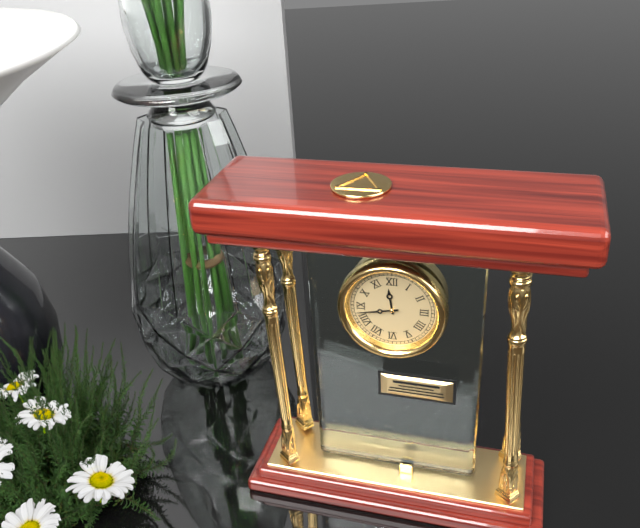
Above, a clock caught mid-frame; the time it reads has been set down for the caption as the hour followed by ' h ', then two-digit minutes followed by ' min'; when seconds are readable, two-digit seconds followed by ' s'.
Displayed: 11 h 43 min
